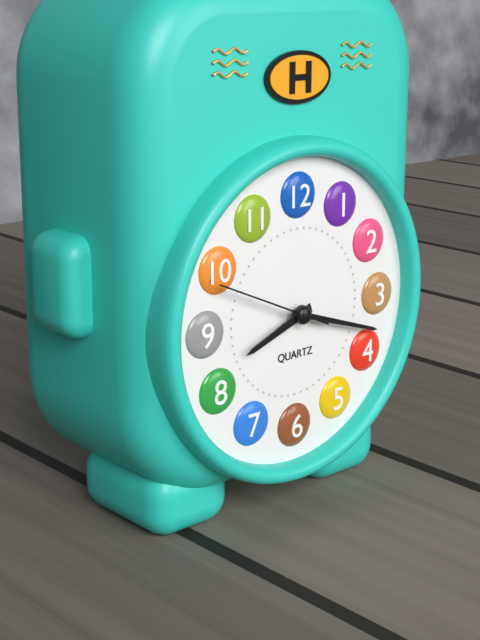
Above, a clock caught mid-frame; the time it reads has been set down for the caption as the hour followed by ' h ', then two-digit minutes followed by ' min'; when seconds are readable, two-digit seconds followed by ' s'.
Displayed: 8 h 18 min
